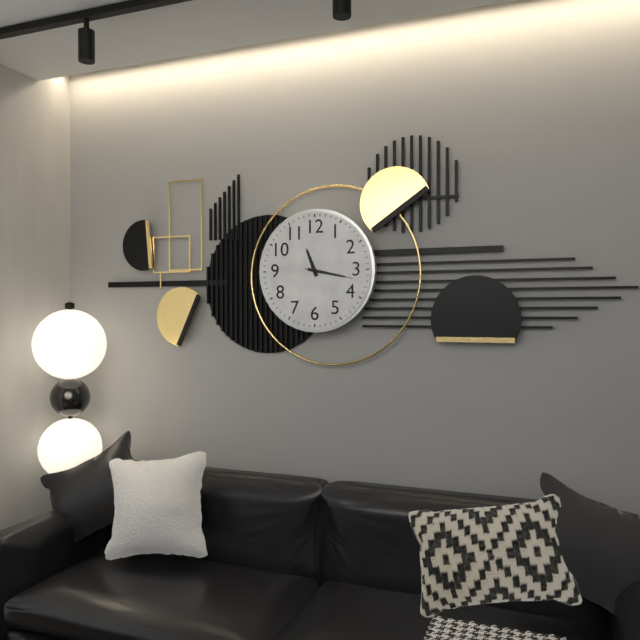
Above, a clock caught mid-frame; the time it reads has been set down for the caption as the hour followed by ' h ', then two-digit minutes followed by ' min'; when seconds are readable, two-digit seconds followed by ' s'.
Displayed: 11 h 17 min
